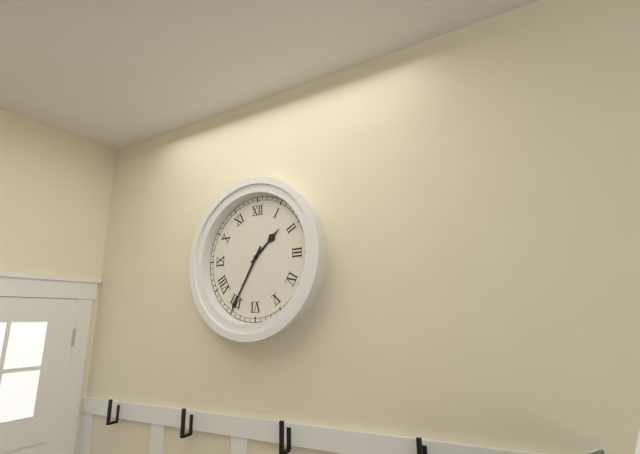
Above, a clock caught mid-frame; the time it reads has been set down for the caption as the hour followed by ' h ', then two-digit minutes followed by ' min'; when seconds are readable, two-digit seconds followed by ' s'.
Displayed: 1 h 35 min
